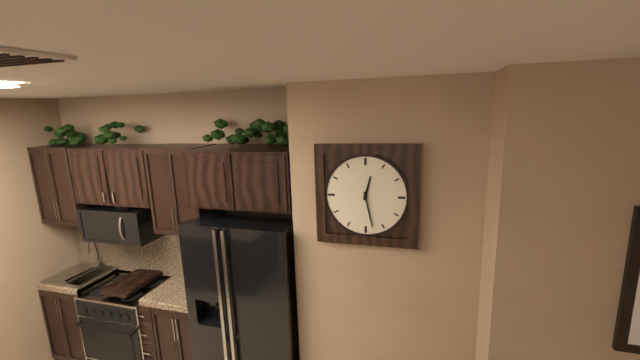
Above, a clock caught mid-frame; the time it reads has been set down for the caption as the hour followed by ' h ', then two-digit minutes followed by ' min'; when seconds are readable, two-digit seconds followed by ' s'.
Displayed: 12 h 28 min
